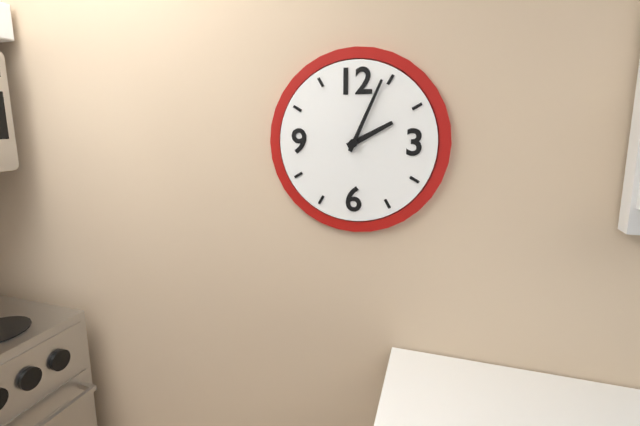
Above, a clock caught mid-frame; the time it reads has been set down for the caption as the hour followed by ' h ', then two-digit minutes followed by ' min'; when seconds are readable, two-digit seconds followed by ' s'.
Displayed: 2 h 04 min
